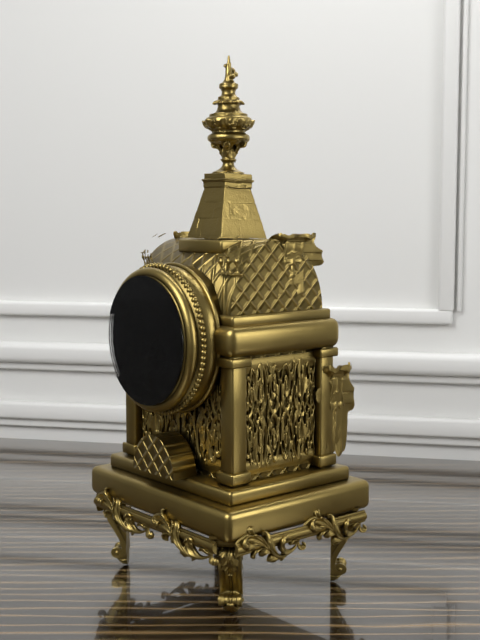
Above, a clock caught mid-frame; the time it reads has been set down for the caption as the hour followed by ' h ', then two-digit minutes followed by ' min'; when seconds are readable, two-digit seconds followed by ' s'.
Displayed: 7 h 29 min
